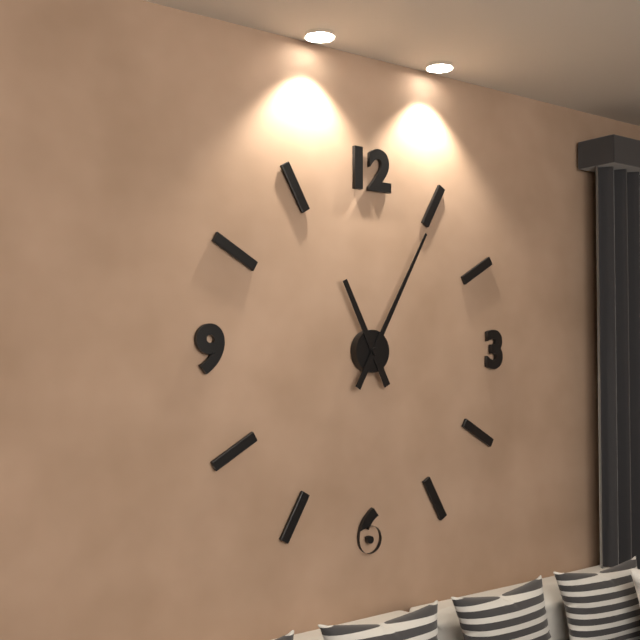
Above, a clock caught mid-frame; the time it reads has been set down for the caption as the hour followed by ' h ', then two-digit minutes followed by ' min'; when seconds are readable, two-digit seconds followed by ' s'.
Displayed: 11 h 05 min
